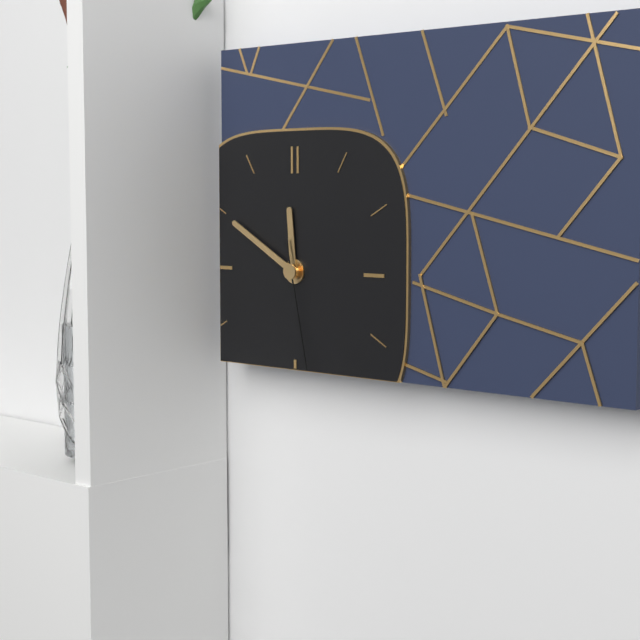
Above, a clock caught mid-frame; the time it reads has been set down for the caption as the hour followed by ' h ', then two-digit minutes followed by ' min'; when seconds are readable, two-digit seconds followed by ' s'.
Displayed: 11 h 50 min 28 s
